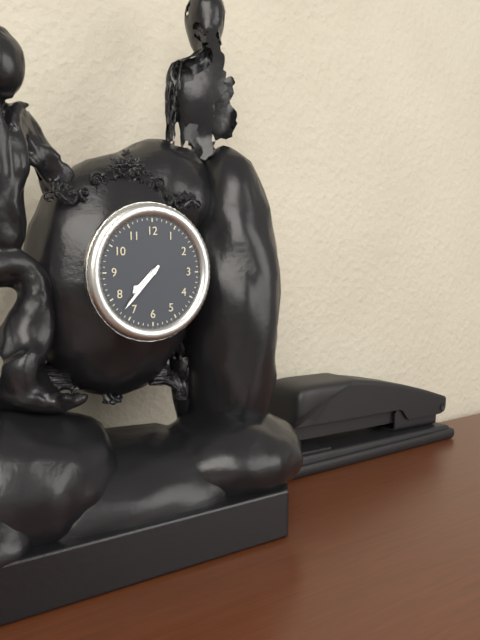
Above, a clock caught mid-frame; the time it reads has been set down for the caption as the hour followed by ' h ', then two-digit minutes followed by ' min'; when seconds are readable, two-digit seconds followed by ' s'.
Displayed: 7 h 37 min
